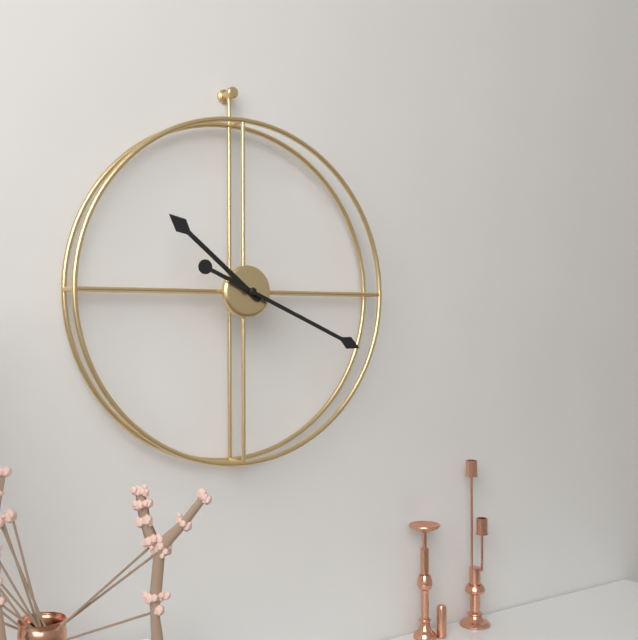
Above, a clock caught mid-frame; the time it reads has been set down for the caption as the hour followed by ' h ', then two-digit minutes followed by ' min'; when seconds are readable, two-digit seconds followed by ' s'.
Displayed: 10 h 19 min
